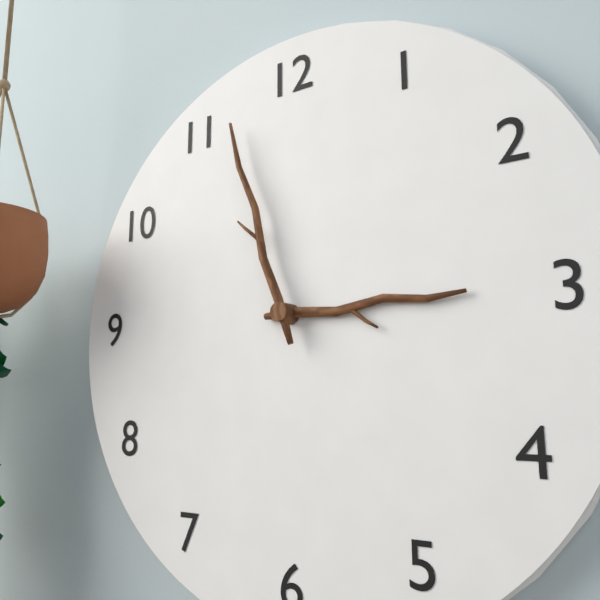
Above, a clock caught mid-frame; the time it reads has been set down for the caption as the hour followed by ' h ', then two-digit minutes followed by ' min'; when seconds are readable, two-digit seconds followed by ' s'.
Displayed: 2 h 57 min
